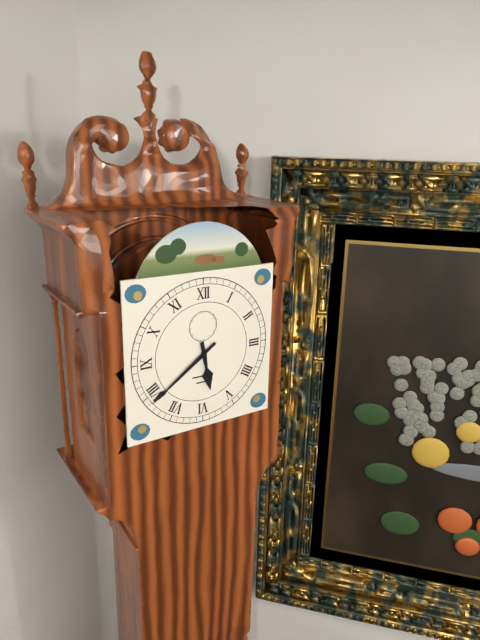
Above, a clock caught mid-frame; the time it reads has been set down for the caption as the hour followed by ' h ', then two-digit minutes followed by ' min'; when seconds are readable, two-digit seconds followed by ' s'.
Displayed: 5 h 39 min
